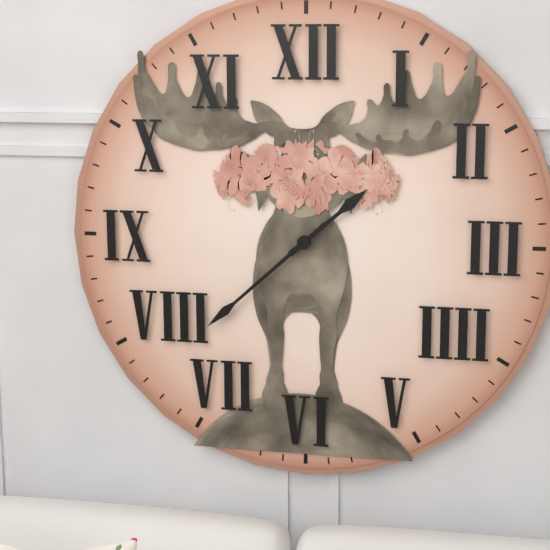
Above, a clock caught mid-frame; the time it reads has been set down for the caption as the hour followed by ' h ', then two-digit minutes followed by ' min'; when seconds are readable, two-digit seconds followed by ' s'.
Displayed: 1 h 38 min
